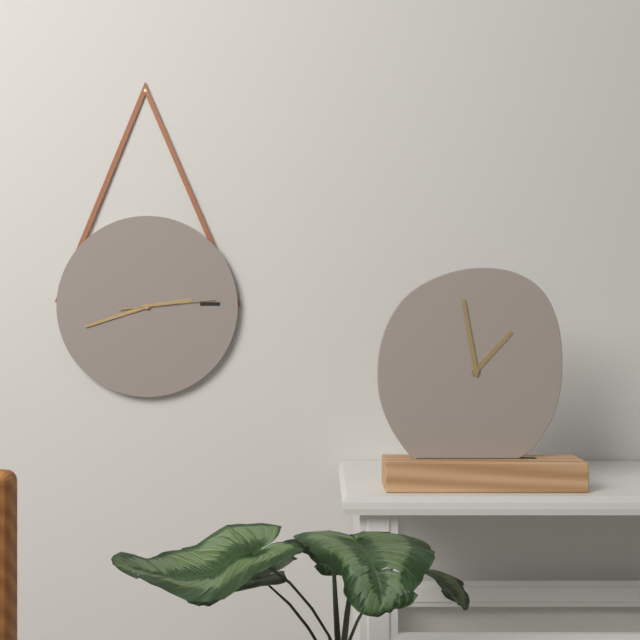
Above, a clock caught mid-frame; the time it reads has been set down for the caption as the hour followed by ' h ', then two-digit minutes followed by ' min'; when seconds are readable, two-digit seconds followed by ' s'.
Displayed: 2 h 42 min 14 s
